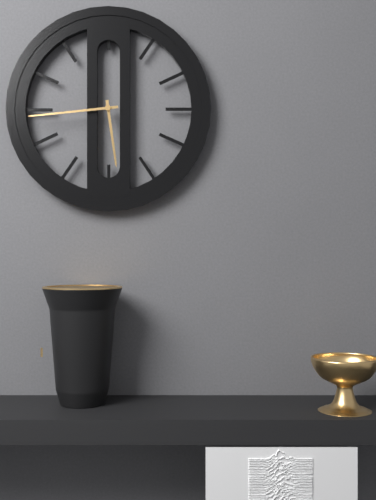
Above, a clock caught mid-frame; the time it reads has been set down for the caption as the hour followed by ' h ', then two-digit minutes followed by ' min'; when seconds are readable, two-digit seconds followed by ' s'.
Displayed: 5 h 44 min
